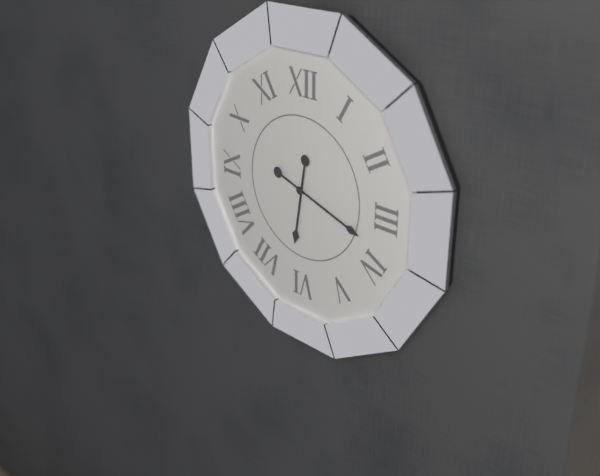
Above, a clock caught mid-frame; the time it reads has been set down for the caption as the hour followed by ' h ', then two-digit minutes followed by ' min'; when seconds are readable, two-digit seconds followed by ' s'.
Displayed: 6 h 18 min
